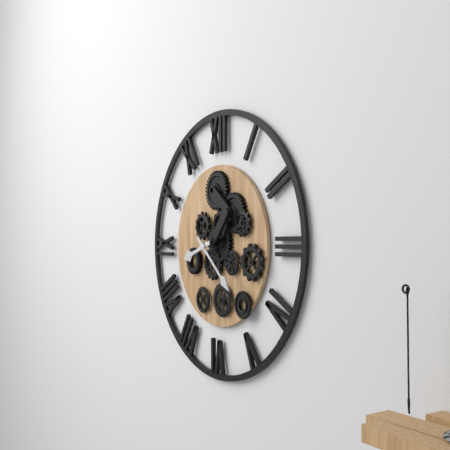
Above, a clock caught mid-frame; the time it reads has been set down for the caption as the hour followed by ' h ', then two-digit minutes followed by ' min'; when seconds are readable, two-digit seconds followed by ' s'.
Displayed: 8 h 22 min
